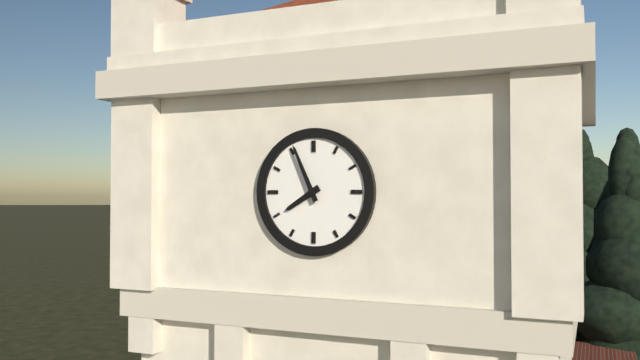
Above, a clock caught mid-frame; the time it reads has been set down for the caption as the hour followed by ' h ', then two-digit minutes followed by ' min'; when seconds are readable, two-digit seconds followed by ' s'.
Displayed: 7 h 56 min
